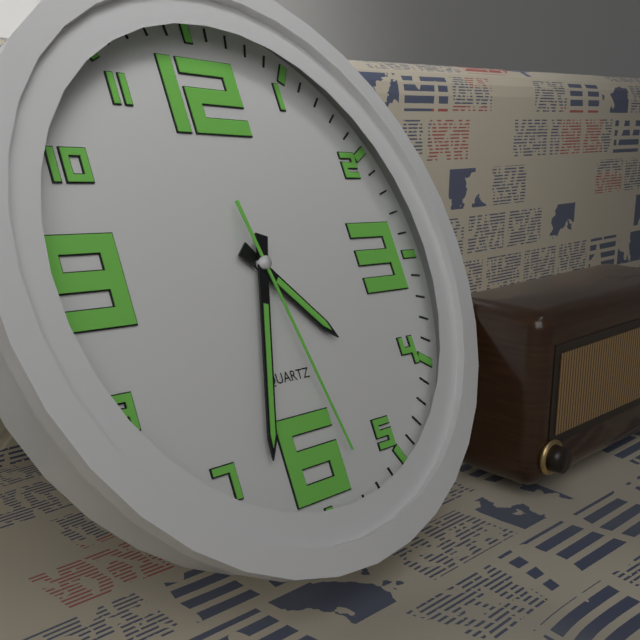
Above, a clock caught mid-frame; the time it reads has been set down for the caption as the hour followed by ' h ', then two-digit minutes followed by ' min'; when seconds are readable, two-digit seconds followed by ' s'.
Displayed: 4 h 33 min 28 s
